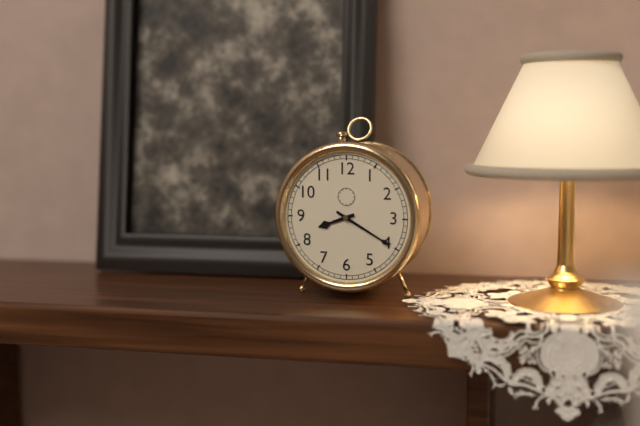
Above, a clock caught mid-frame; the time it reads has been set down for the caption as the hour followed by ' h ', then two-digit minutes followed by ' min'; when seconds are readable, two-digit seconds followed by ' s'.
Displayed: 8 h 20 min
